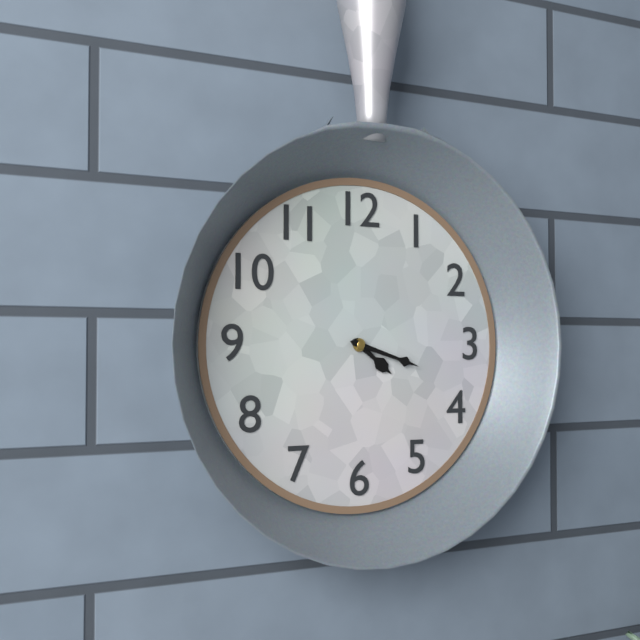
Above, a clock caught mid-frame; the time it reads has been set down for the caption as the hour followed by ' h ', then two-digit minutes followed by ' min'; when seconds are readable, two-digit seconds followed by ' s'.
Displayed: 4 h 18 min
